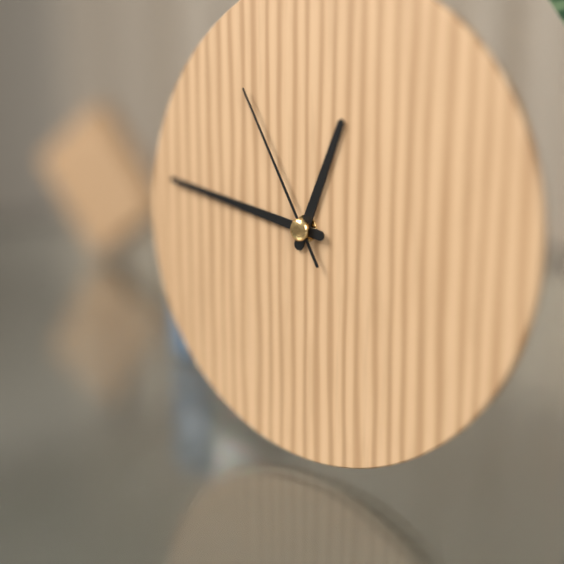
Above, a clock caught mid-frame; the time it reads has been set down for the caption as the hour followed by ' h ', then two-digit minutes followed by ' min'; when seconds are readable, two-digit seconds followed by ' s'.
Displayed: 12 h 47 min 55 s
